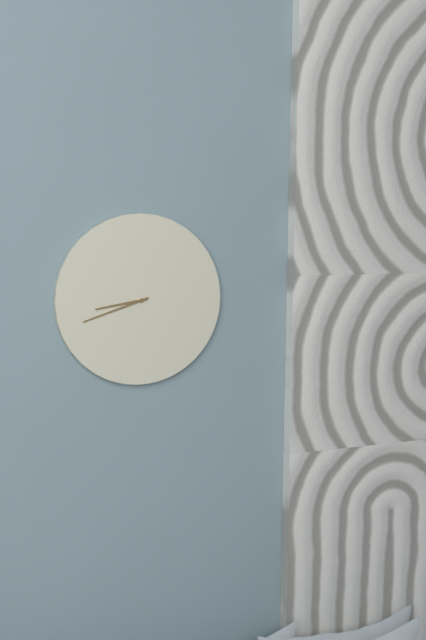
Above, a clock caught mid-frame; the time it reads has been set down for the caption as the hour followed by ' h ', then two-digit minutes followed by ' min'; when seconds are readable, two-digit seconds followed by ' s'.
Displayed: 8 h 42 min
